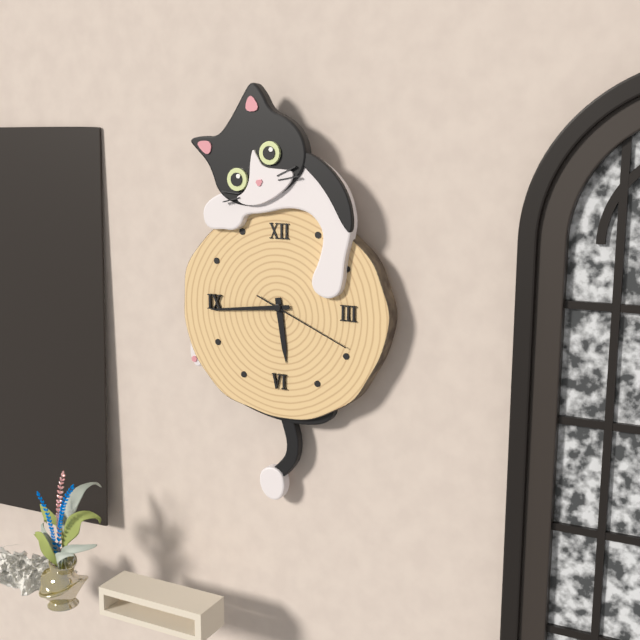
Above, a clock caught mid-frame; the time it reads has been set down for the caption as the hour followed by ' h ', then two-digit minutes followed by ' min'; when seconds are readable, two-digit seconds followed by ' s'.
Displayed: 5 h 44 min 19 s
